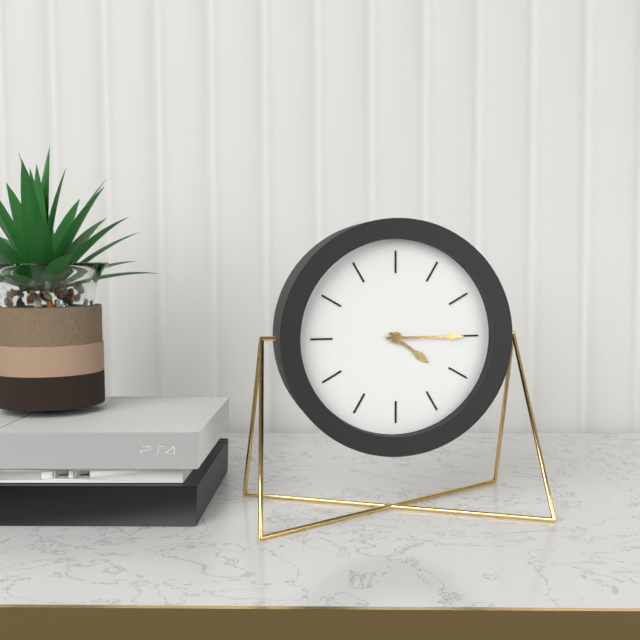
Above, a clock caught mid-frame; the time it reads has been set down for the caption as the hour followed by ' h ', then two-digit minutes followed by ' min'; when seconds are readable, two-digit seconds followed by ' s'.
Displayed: 4 h 15 min
